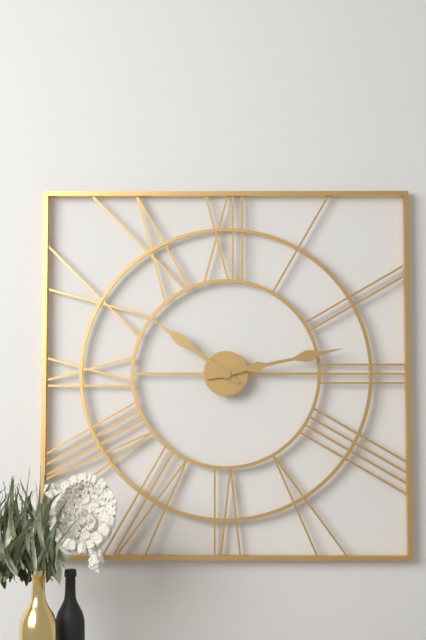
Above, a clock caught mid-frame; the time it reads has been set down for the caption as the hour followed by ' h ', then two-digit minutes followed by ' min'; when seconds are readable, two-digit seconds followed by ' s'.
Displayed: 10 h 13 min
